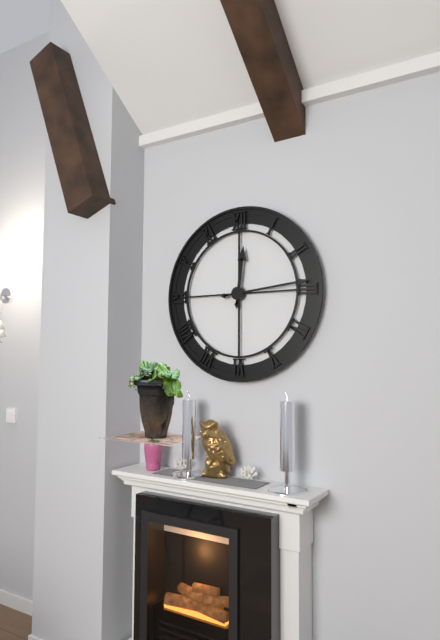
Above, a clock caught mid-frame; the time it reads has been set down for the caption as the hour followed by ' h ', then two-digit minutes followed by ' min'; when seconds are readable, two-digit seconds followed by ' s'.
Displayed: 12 h 14 min
